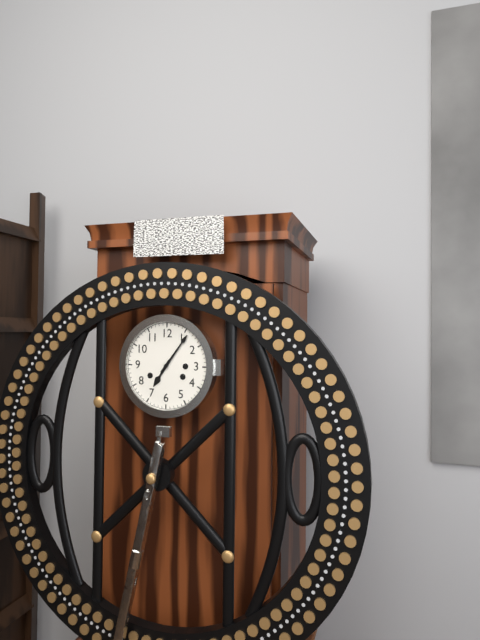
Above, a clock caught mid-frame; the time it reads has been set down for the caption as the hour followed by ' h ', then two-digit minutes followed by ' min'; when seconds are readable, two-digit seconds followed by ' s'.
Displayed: 7 h 06 min
